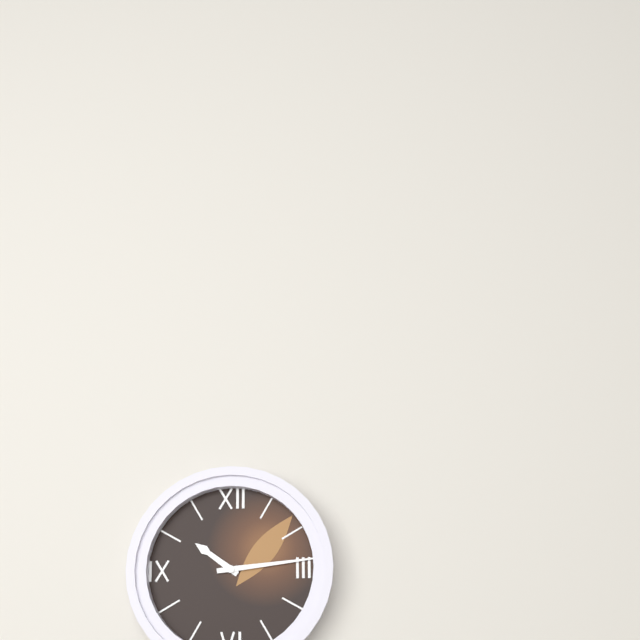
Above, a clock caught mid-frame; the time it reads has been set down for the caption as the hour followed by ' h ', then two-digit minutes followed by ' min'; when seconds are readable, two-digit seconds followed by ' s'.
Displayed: 10 h 14 min
